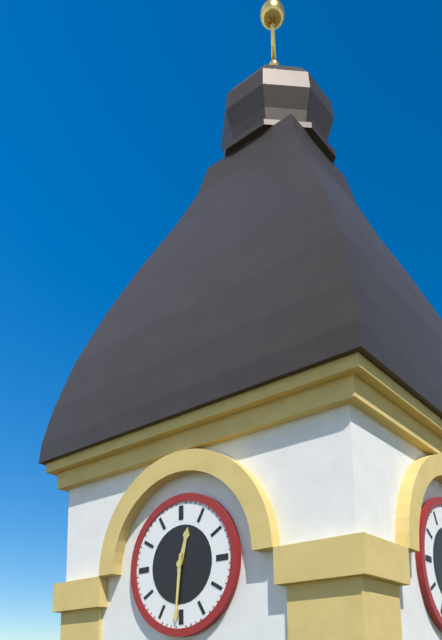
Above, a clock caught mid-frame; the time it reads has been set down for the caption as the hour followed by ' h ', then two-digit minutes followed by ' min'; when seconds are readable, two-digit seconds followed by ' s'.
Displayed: 12 h 31 min
